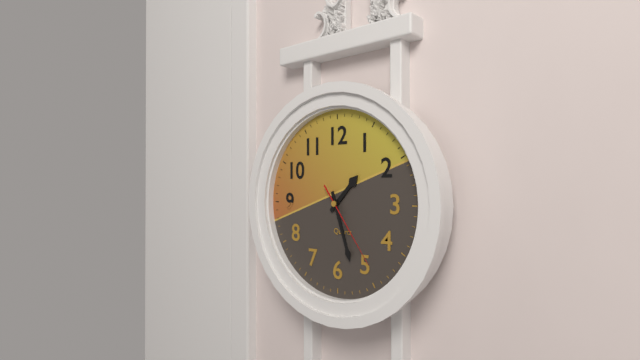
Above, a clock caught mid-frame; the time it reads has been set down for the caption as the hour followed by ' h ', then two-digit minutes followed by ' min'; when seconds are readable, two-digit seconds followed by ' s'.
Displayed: 1 h 27 min 24 s
